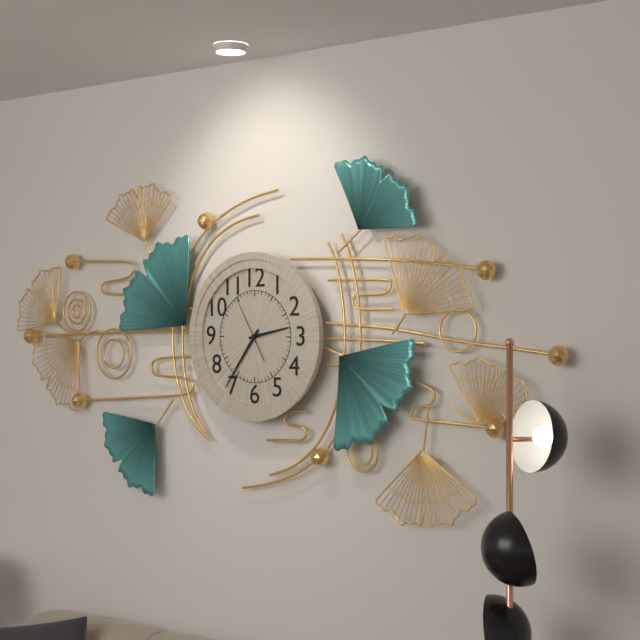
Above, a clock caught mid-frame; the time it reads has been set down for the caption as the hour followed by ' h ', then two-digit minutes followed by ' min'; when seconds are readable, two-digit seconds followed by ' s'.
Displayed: 2 h 36 min 55 s
